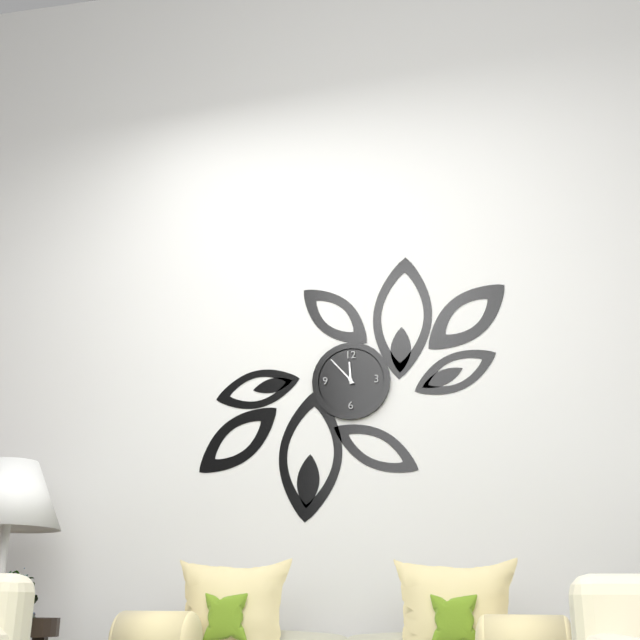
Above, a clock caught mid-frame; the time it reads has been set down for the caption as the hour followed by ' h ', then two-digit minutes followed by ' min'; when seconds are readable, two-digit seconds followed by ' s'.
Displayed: 11 h 53 min
